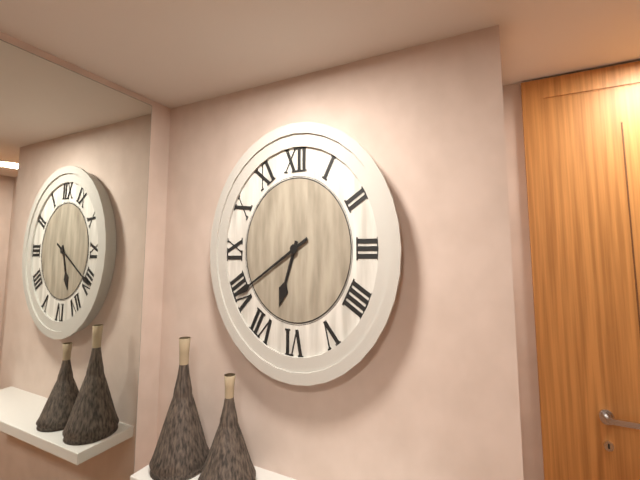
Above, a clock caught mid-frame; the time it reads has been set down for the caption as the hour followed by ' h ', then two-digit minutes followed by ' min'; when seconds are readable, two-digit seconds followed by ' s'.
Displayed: 6 h 40 min
